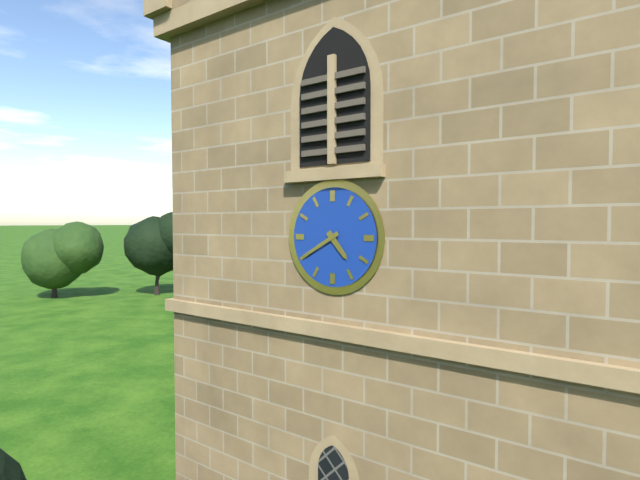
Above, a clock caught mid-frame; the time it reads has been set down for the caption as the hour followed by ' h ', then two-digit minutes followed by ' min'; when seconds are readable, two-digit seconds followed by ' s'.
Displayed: 4 h 40 min
